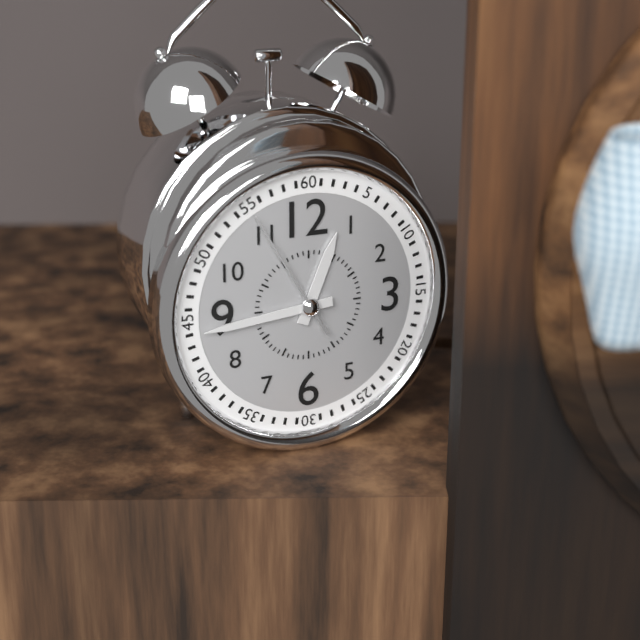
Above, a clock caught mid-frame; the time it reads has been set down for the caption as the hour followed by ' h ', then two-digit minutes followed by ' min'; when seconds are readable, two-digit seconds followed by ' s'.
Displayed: 12 h 44 min 55 s
